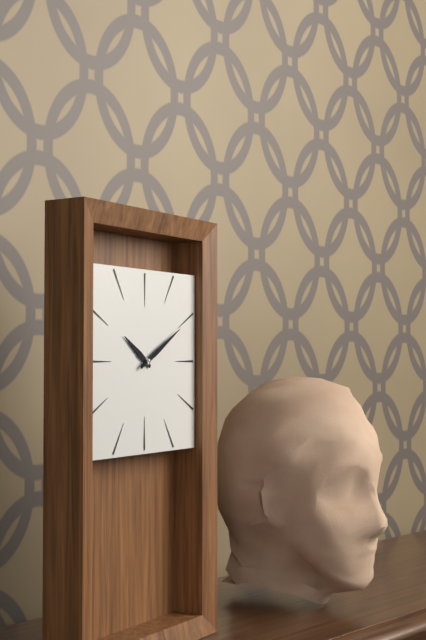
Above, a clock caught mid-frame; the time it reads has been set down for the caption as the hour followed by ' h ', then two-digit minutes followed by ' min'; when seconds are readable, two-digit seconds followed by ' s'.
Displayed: 10 h 10 min
